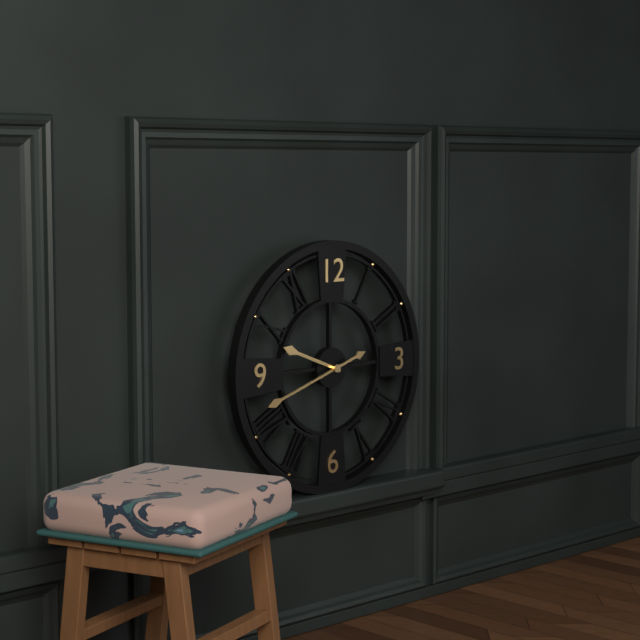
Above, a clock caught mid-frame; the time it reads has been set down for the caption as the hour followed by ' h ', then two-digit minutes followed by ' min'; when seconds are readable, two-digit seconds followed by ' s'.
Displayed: 9 h 42 min
